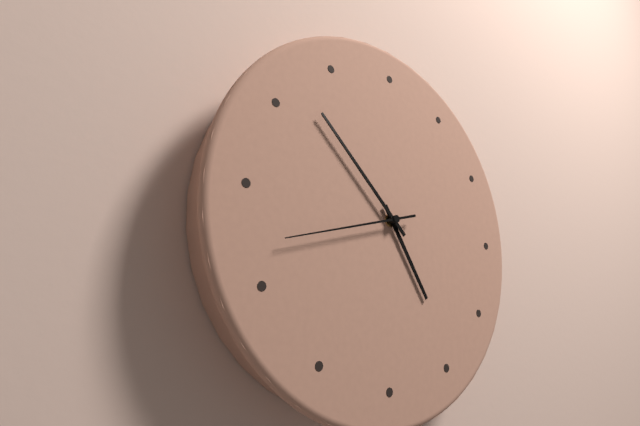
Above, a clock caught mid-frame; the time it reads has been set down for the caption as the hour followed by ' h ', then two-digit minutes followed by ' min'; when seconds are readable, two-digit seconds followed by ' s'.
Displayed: 4 h 52 min 42 s
